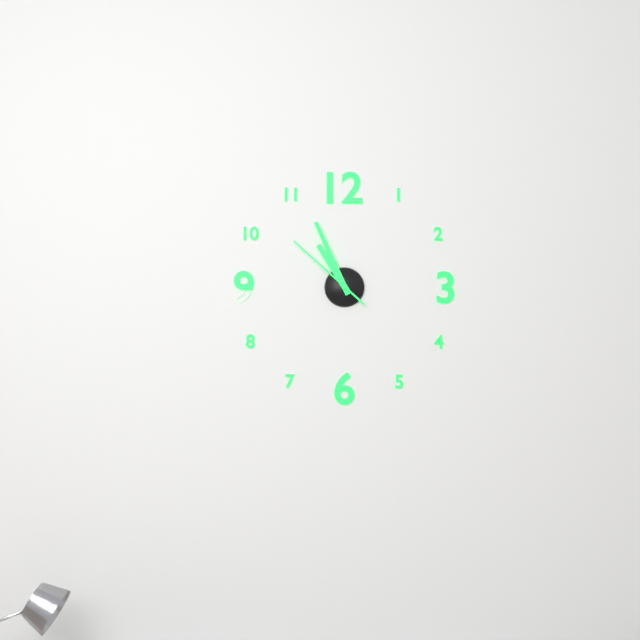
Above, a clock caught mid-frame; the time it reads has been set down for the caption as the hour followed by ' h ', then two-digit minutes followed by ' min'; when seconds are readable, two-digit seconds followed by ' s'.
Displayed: 10 h 56 min 52 s
